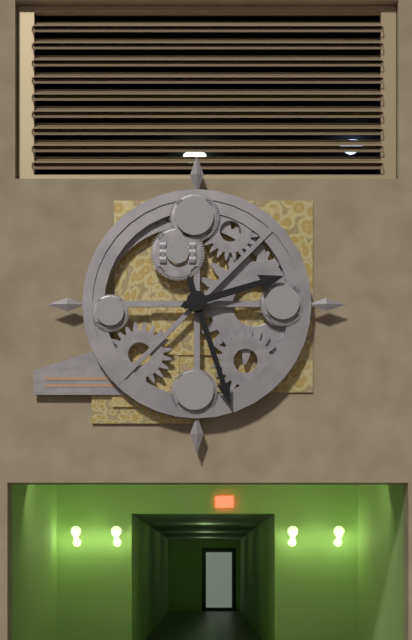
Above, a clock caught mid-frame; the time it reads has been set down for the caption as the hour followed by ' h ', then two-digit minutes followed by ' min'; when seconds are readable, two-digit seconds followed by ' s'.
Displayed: 2 h 27 min
